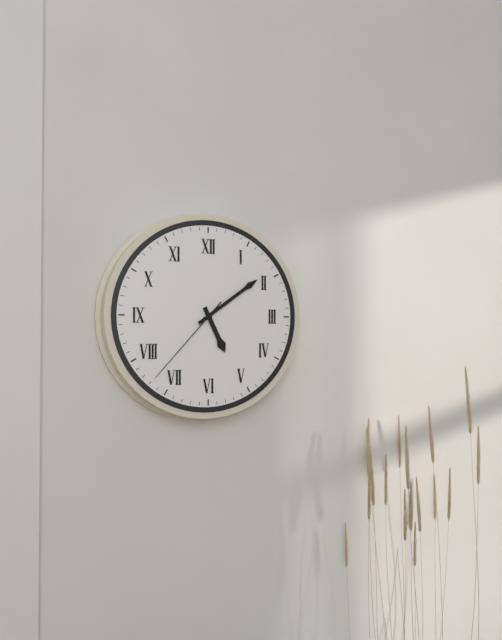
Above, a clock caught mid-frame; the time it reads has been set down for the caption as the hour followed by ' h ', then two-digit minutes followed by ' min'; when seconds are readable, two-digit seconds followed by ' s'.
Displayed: 5 h 09 min 37 s
